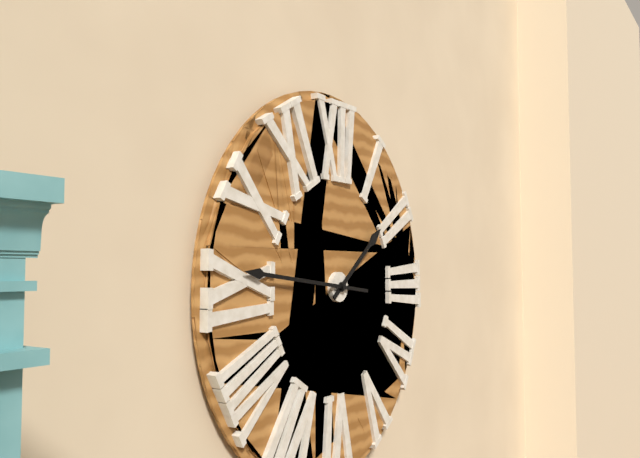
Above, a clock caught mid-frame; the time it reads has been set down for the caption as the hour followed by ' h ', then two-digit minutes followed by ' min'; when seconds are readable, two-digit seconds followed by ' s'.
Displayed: 1 h 46 min
